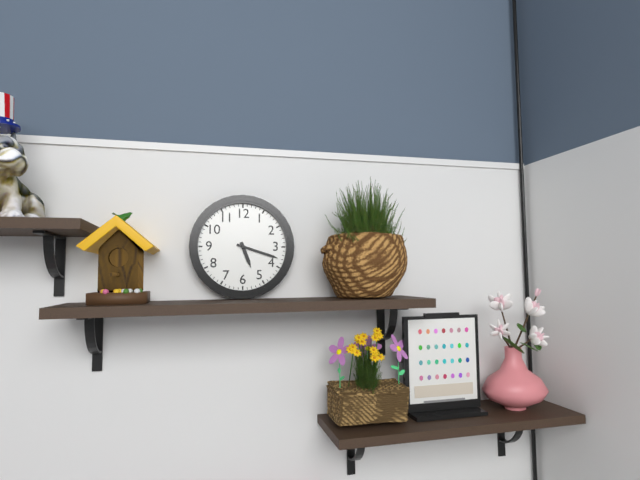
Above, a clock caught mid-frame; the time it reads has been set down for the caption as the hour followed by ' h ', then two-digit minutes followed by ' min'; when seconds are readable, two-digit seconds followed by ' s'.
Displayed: 5 h 18 min
